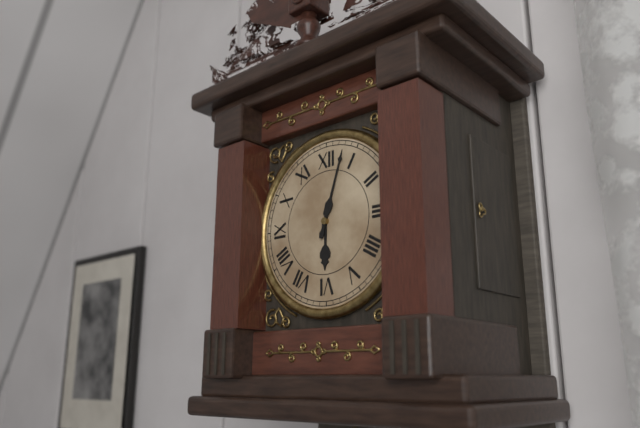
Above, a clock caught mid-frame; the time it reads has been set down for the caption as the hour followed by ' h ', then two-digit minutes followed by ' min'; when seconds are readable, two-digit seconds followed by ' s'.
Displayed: 6 h 03 min
